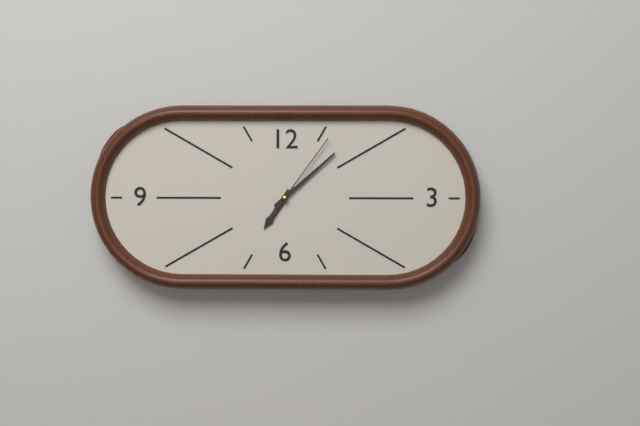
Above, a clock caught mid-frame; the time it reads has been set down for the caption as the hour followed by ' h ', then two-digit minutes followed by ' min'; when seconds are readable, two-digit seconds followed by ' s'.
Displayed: 7 h 08 min 06 s
